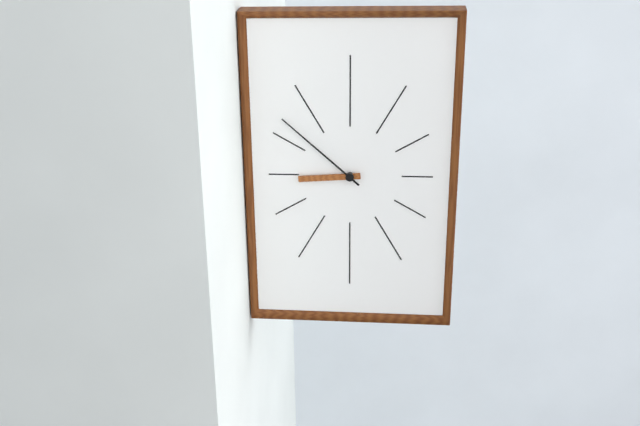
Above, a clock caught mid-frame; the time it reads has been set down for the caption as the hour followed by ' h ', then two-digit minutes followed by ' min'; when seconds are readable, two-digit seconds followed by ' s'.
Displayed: 8 h 52 min
